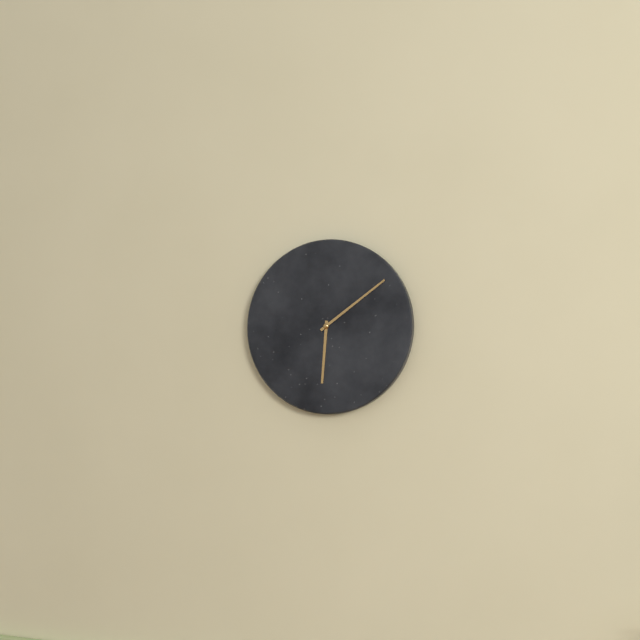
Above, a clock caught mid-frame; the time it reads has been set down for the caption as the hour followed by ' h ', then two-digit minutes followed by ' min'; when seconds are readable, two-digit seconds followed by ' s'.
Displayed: 6 h 09 min
